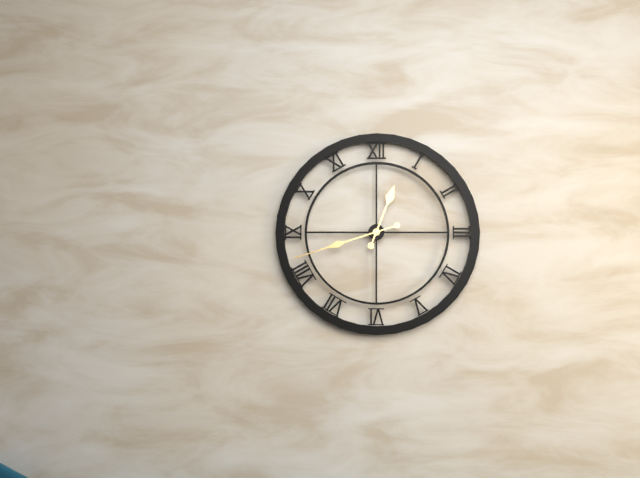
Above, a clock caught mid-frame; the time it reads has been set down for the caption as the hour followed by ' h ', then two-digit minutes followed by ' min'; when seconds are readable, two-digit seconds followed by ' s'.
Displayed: 12 h 42 min
